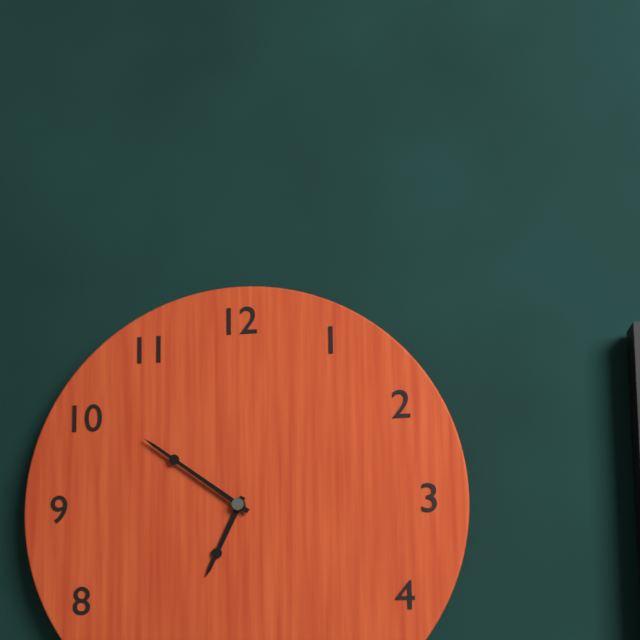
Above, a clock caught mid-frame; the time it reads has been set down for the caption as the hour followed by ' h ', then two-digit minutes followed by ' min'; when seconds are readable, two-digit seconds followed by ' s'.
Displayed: 6 h 51 min
